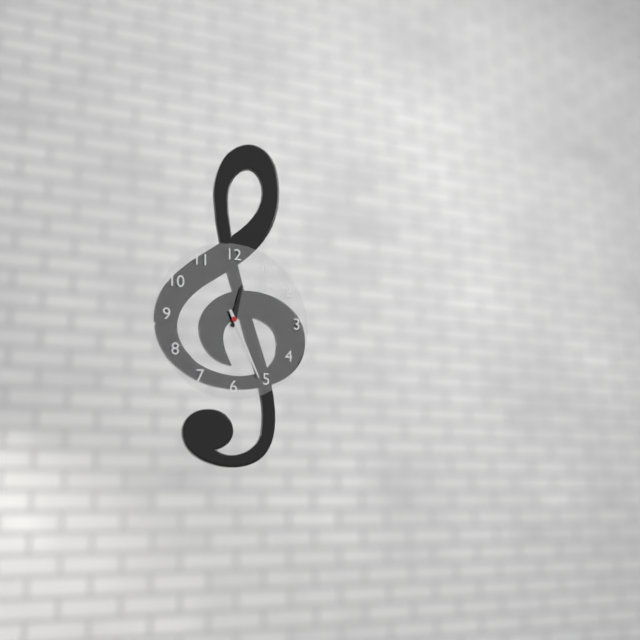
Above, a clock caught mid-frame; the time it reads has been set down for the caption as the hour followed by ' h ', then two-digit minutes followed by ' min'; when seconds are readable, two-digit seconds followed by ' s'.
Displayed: 12 h 26 min
